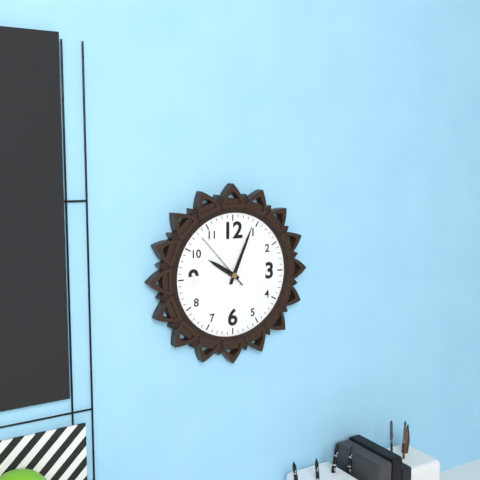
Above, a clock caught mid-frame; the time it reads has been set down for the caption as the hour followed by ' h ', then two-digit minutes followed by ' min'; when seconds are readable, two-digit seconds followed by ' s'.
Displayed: 10 h 04 min 53 s
